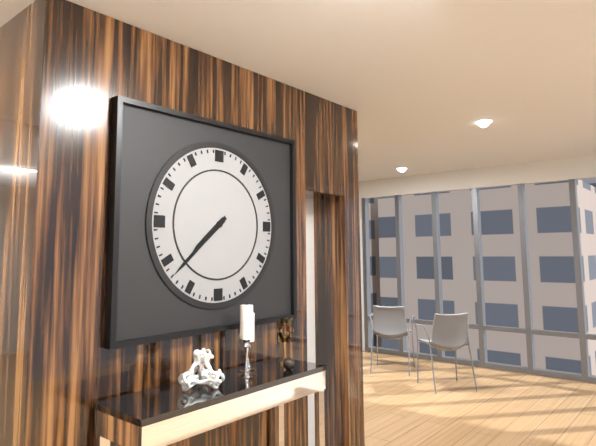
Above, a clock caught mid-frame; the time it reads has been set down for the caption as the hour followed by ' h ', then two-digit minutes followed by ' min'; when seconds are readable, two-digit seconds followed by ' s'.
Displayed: 7 h 38 min
